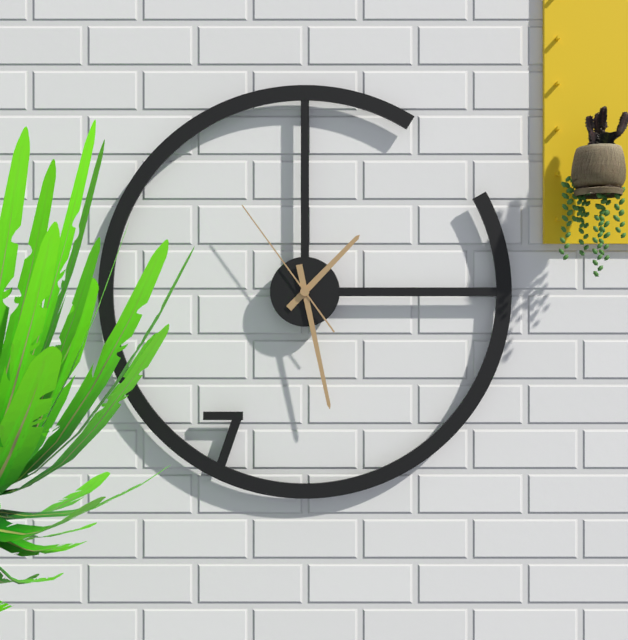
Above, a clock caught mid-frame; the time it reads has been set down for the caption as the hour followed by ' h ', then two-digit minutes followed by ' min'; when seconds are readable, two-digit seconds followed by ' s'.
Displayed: 1 h 28 min 54 s
